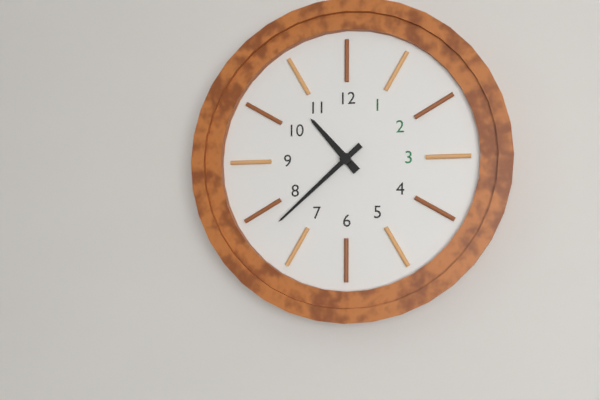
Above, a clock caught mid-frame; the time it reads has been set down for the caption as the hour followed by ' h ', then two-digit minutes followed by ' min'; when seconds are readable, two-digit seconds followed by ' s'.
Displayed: 10 h 38 min
